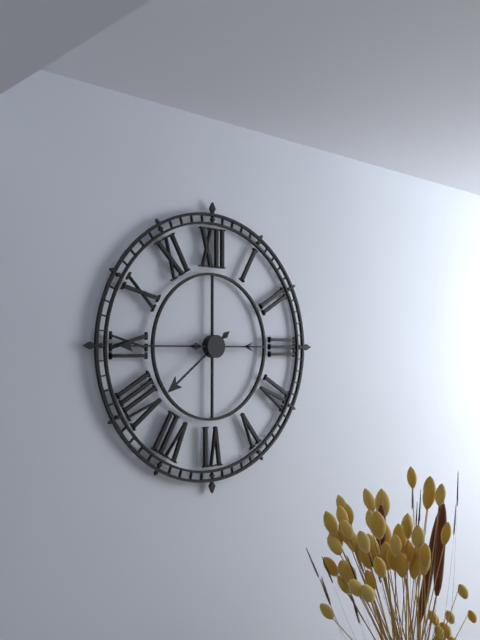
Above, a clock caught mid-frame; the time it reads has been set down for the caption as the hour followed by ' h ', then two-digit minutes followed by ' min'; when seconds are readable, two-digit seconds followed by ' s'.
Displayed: 7 h 45 min
